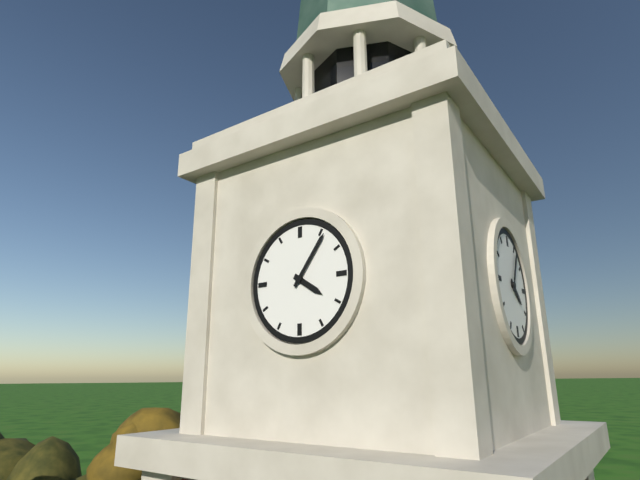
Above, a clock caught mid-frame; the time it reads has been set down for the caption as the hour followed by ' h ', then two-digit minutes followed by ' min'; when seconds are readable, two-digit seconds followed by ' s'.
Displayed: 4 h 06 min
